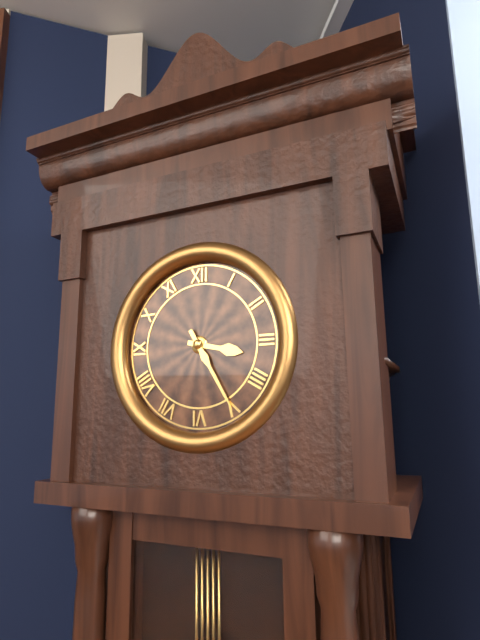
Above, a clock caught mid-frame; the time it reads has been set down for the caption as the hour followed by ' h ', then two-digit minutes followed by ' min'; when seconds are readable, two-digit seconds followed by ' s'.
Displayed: 3 h 25 min
